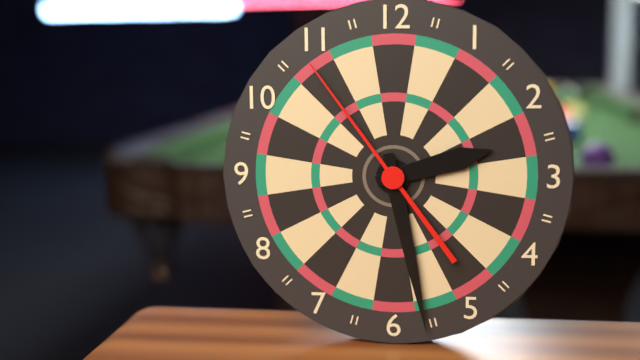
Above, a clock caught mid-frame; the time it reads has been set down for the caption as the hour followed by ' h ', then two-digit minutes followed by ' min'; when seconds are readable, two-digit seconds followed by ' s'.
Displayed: 2 h 28 min 54 s
